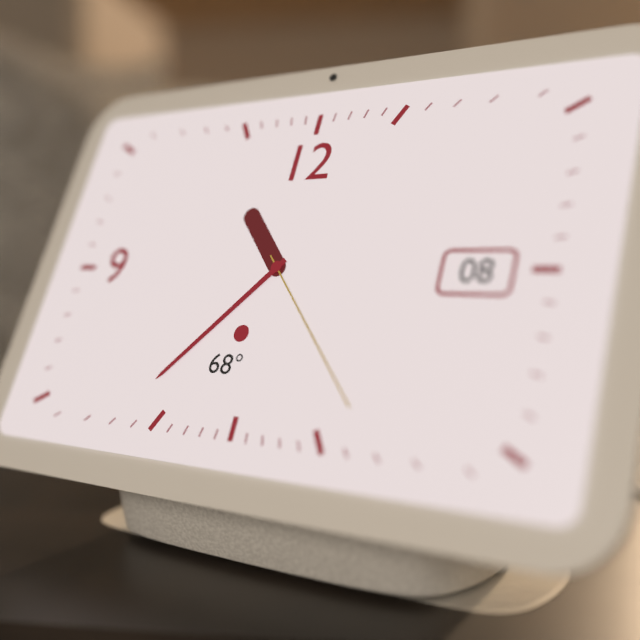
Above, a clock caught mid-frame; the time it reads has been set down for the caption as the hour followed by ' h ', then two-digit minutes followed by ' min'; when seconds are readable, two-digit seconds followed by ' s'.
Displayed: 10 h 37 min 23 s
